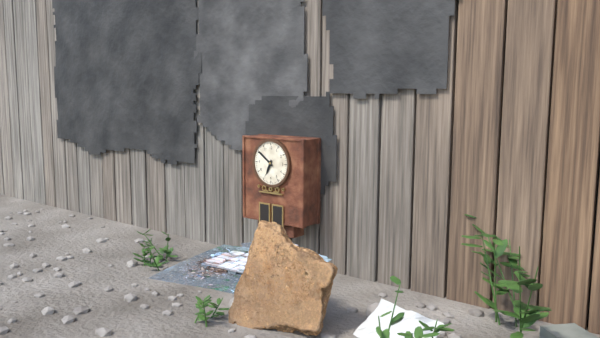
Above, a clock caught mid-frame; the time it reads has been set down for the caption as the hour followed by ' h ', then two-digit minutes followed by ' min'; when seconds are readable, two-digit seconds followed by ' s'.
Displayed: 6 h 51 min
